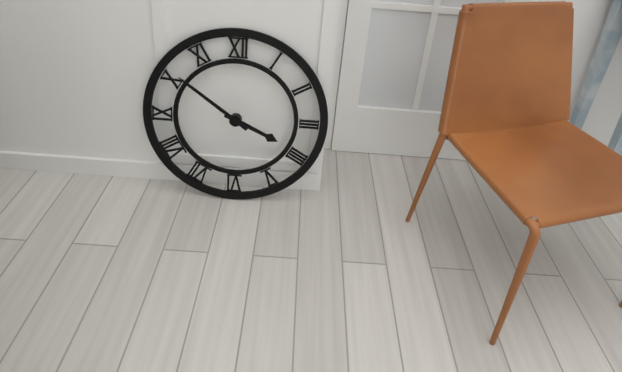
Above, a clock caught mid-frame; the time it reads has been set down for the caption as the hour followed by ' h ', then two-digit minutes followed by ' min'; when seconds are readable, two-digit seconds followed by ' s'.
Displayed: 3 h 51 min
